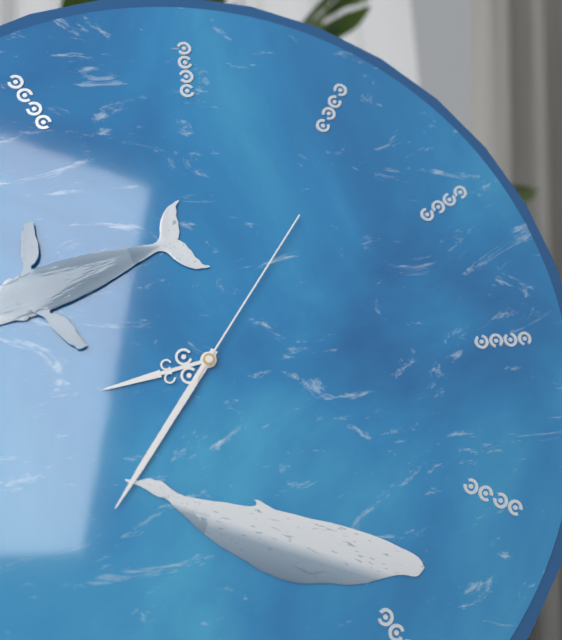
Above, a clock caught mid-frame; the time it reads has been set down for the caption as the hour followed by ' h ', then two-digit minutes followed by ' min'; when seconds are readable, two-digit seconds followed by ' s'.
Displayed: 8 h 36 min 06 s
